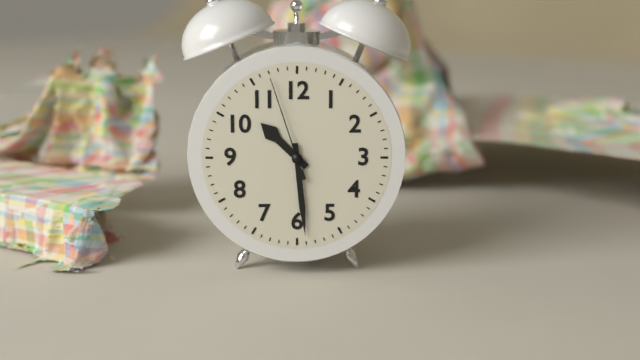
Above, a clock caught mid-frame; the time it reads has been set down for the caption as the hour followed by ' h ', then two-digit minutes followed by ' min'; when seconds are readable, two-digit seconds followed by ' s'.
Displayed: 10 h 29 min 57 s
